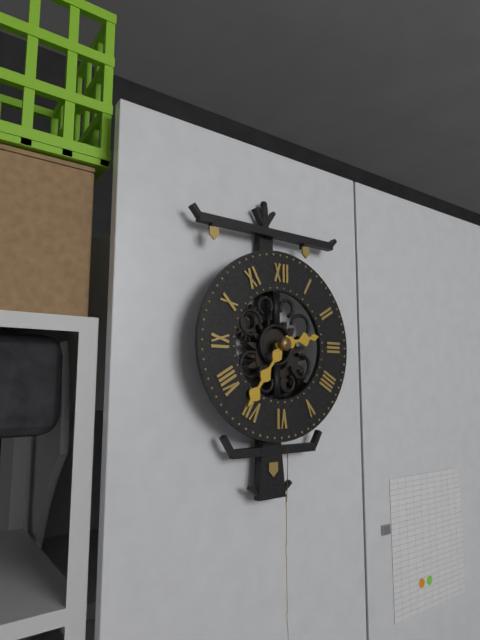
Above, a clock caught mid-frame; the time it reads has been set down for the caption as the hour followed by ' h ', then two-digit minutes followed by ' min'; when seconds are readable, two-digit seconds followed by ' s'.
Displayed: 2 h 36 min
